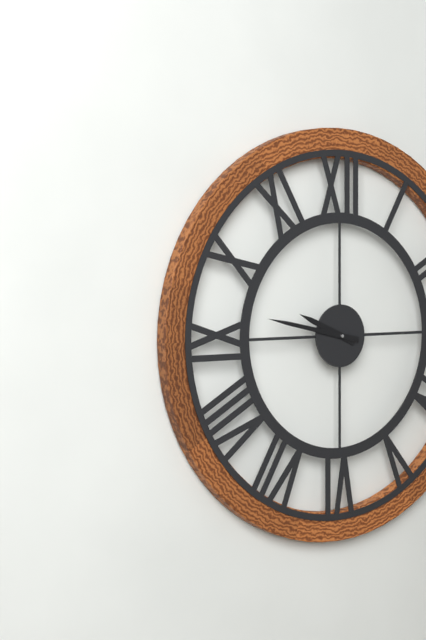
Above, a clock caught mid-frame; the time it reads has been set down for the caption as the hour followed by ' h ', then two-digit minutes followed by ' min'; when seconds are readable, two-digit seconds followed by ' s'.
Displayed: 9 h 47 min
